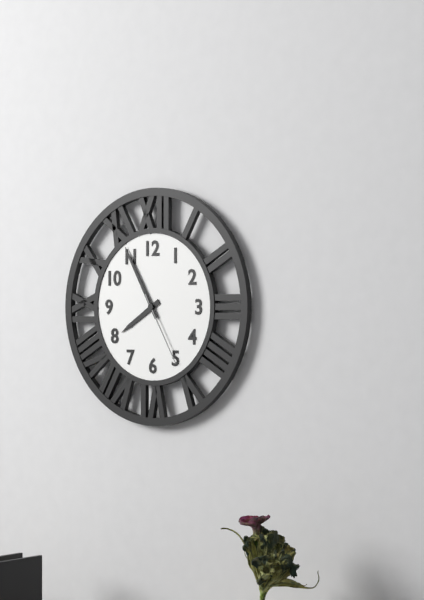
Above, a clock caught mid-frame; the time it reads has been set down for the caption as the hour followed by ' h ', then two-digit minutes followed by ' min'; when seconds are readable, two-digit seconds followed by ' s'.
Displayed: 7 h 55 min 25 s
